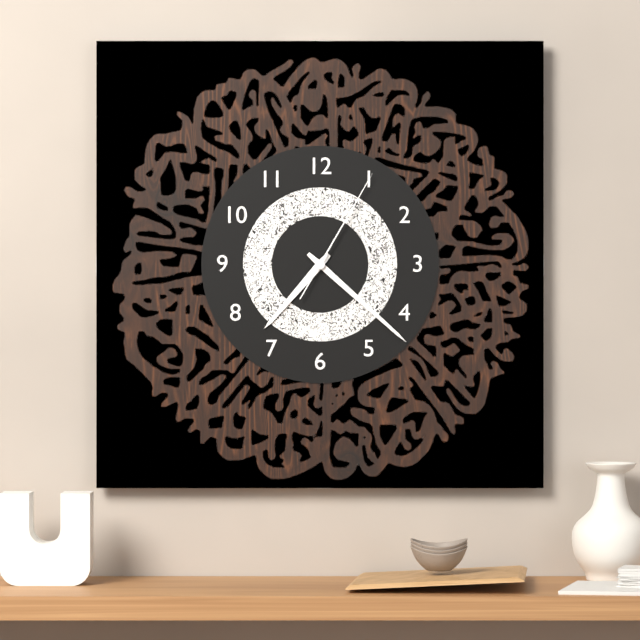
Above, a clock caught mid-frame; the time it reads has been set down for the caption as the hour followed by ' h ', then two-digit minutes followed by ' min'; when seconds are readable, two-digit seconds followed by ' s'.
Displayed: 7 h 22 min 05 s
